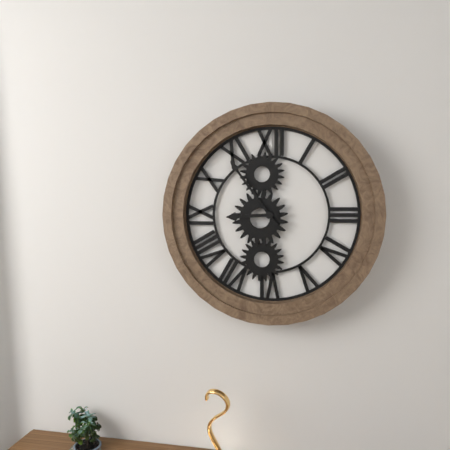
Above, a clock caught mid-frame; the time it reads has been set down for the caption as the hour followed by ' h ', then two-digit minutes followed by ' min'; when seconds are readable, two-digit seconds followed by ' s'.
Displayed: 8 h 54 min
